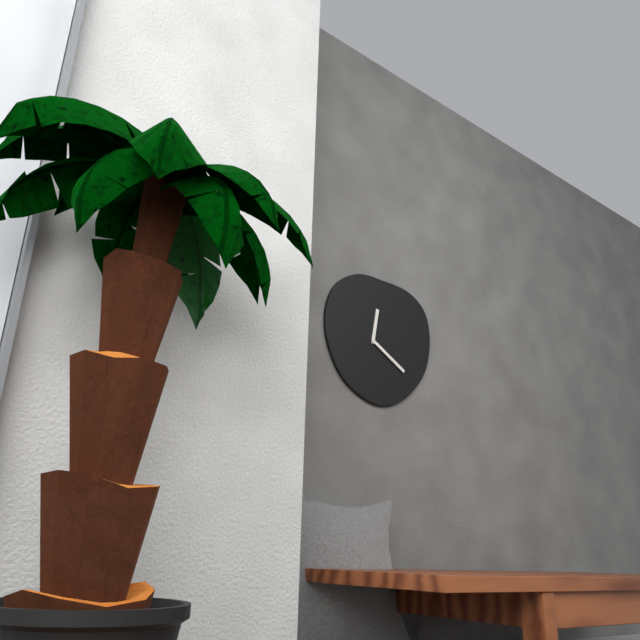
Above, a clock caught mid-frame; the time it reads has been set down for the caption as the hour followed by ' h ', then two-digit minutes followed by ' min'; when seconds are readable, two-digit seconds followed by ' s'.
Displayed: 12 h 20 min
